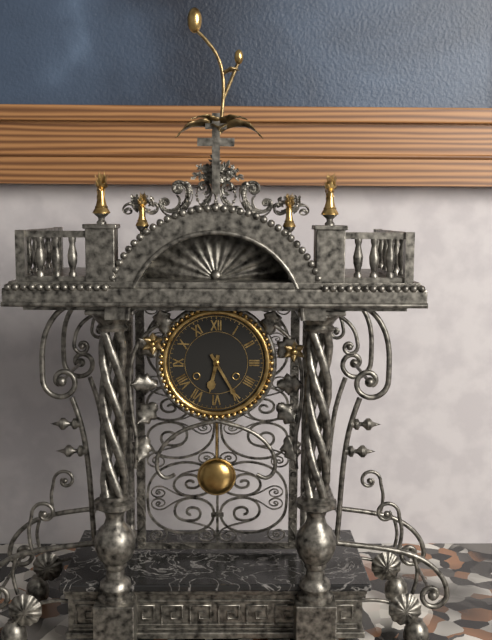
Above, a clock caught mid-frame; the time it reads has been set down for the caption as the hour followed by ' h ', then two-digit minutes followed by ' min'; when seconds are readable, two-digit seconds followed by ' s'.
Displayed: 6 h 25 min
